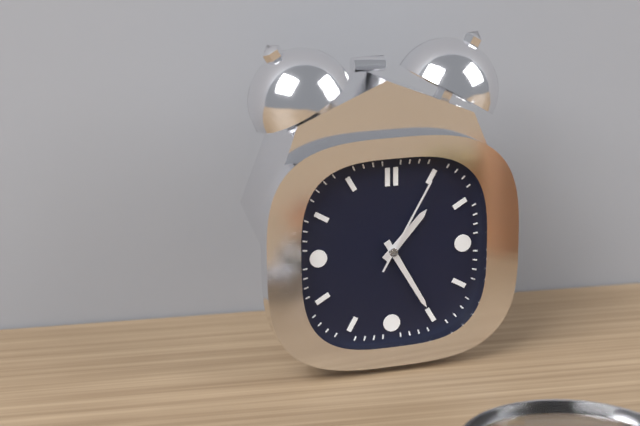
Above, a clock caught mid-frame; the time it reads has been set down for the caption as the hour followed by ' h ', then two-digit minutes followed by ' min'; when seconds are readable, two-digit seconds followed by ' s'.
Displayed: 1 h 25 min 05 s
